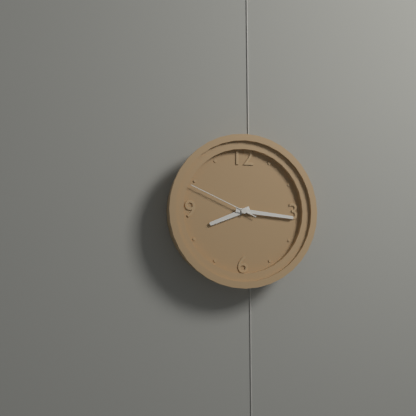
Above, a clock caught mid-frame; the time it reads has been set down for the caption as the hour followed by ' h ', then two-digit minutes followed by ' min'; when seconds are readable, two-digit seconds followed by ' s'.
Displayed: 8 h 16 min 49 s
